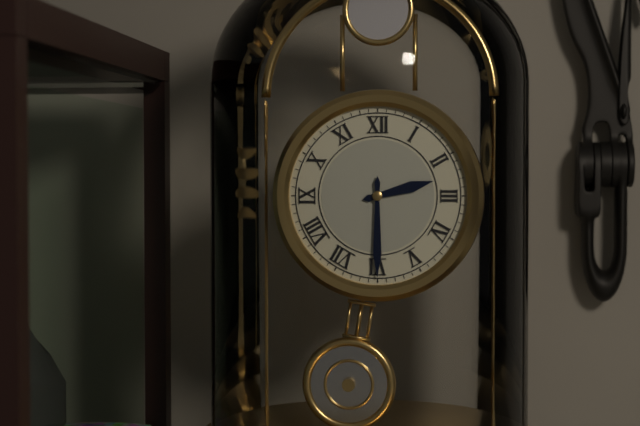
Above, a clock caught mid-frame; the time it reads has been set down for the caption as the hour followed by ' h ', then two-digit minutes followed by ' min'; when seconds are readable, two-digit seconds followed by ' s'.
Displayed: 2 h 30 min
